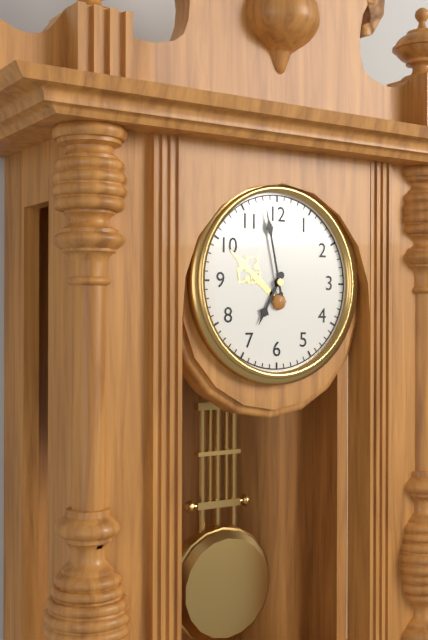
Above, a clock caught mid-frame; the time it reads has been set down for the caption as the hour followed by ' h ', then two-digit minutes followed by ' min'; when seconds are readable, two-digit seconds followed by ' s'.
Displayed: 6 h 58 min
